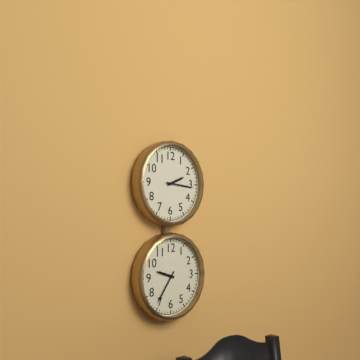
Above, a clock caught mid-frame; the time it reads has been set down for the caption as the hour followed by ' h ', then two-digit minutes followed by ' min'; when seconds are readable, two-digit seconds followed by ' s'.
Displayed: 2 h 16 min
